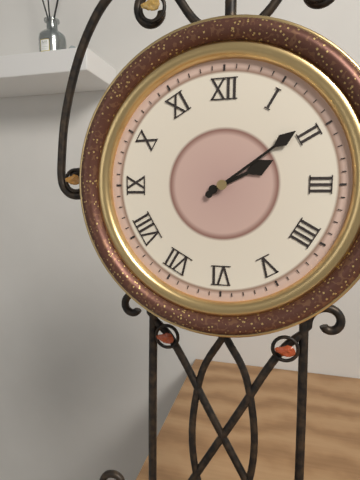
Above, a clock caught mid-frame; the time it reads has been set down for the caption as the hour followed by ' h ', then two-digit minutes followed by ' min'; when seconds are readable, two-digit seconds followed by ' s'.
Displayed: 2 h 09 min
